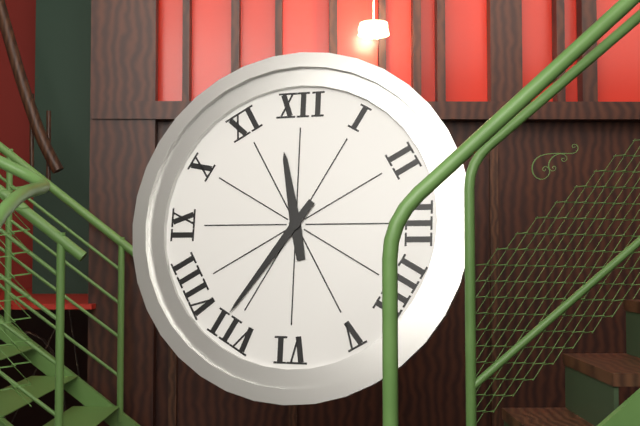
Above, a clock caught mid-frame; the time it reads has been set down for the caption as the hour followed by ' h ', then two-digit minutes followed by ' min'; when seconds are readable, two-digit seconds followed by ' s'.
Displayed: 11 h 36 min
